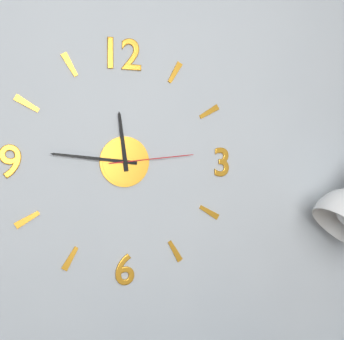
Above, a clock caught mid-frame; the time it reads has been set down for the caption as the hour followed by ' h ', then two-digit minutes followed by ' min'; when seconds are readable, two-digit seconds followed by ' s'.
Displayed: 11 h 46 min 14 s
